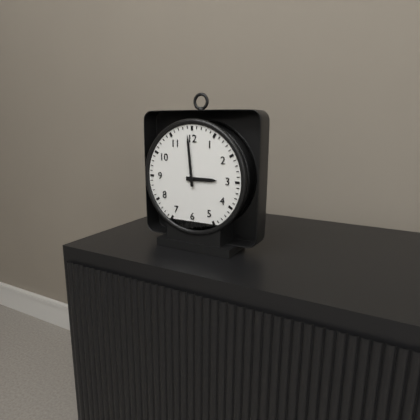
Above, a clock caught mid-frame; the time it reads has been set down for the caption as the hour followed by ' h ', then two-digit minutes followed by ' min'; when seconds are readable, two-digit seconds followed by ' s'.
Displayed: 2 h 59 min
